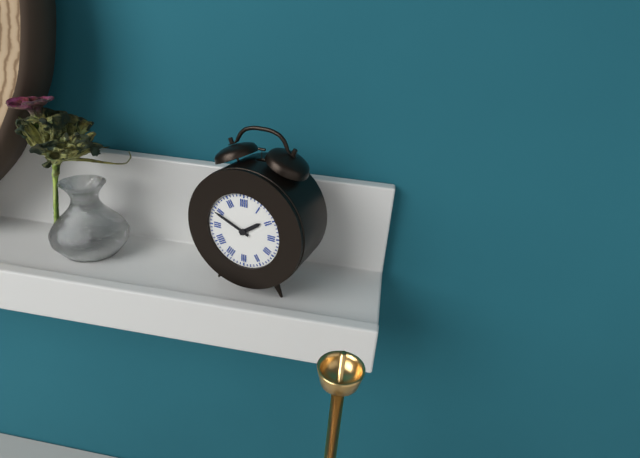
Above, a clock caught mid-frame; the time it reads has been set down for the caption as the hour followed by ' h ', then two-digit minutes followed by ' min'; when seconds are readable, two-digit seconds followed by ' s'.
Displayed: 1 h 49 min
